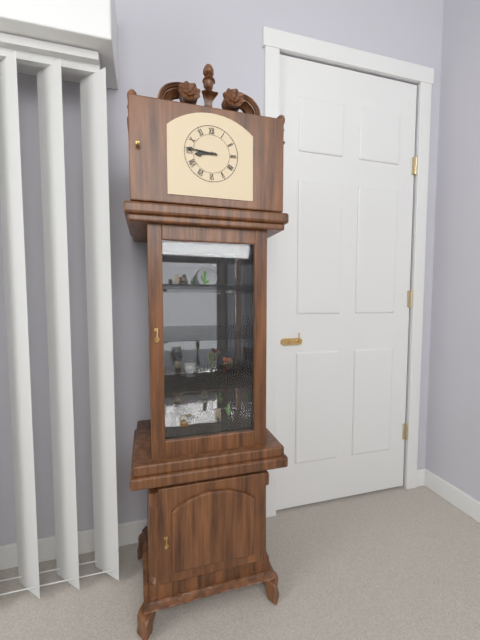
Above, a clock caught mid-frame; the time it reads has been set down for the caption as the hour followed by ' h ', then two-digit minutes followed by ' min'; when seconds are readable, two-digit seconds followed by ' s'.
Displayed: 8 h 46 min
